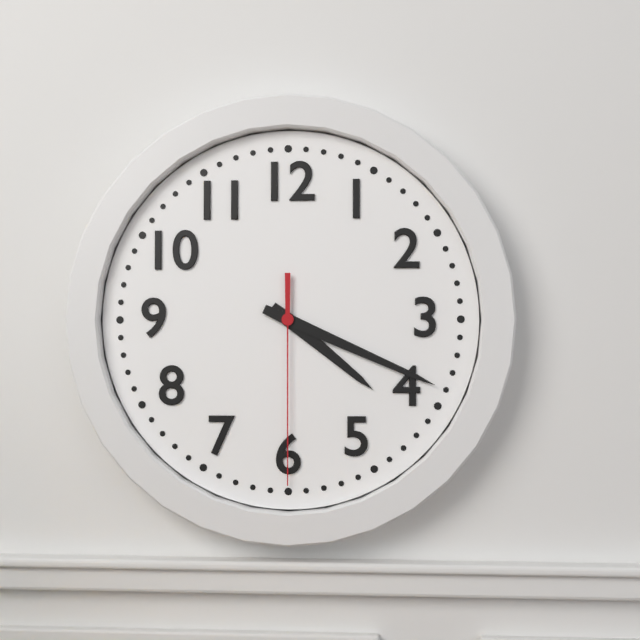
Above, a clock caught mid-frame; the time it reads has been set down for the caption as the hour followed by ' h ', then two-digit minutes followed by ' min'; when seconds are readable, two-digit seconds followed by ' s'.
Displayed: 4 h 19 min 30 s
